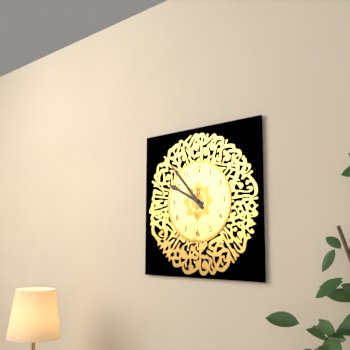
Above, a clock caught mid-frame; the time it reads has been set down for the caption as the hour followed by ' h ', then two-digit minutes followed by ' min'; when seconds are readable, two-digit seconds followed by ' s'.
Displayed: 9 h 53 min 31 s
